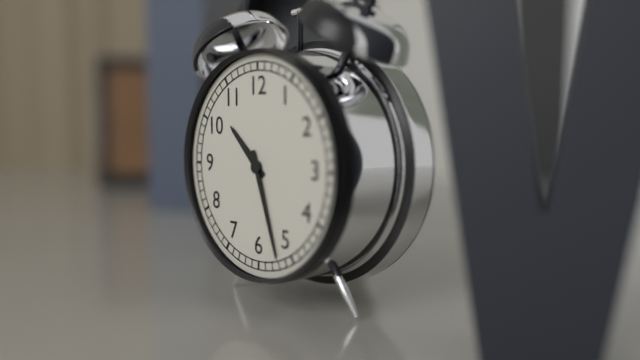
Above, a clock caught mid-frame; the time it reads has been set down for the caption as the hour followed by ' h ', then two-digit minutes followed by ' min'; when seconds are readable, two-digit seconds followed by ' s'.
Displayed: 10 h 27 min
